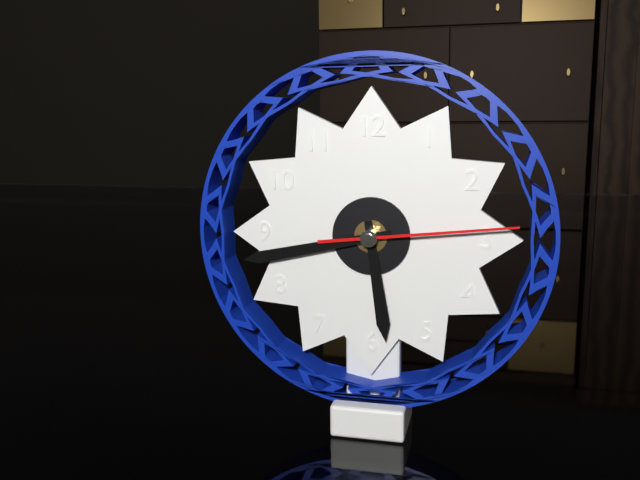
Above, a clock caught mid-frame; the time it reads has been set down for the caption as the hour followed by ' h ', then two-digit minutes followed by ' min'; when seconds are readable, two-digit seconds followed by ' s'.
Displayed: 5 h 43 min 14 s
